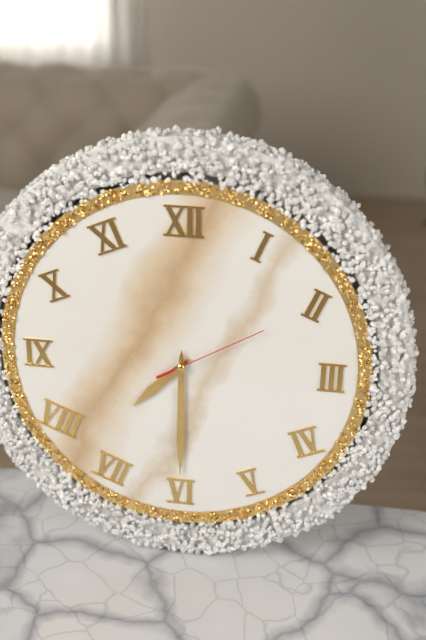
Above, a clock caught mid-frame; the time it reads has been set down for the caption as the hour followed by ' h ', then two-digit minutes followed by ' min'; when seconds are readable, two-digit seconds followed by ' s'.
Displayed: 7 h 30 min 10 s
